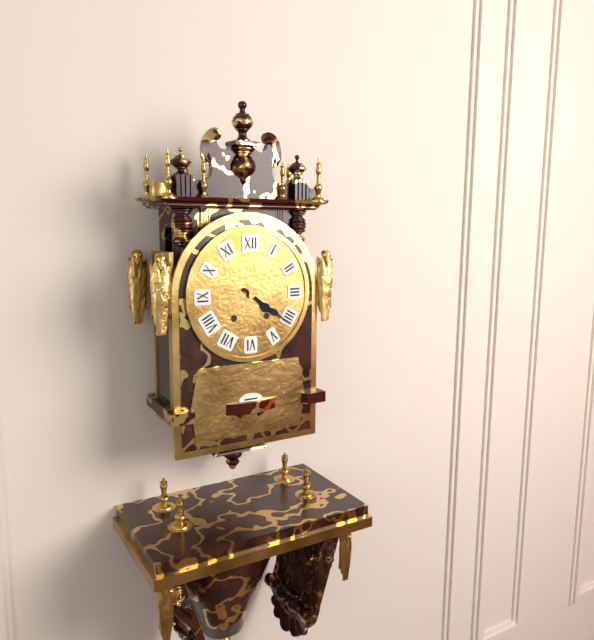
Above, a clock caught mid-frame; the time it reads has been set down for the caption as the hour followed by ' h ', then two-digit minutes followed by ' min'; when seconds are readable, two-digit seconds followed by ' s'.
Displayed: 4 h 21 min
